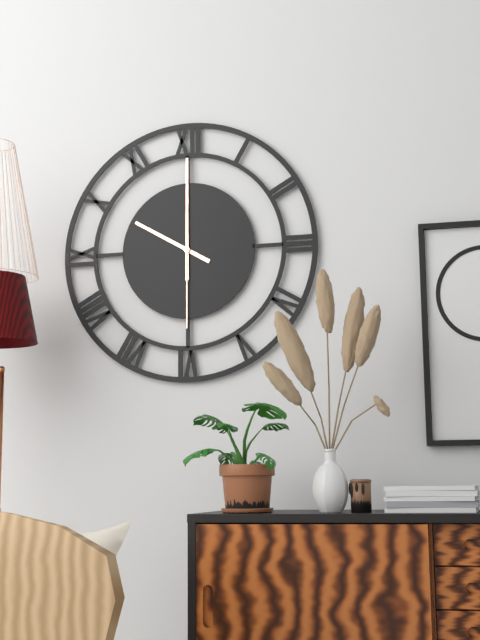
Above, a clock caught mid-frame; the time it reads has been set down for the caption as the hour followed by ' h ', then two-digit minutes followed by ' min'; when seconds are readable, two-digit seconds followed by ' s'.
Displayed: 10 h 00 min 30 s
